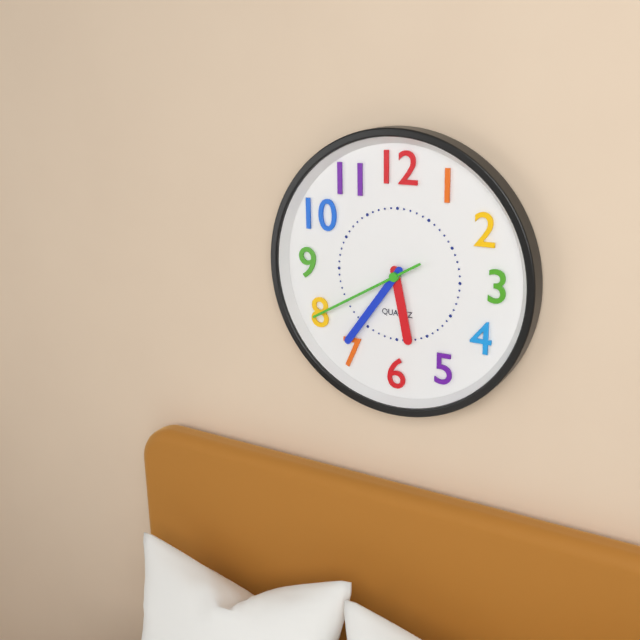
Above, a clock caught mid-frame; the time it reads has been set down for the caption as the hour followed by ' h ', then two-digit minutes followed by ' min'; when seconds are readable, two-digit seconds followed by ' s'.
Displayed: 5 h 36 min 40 s
